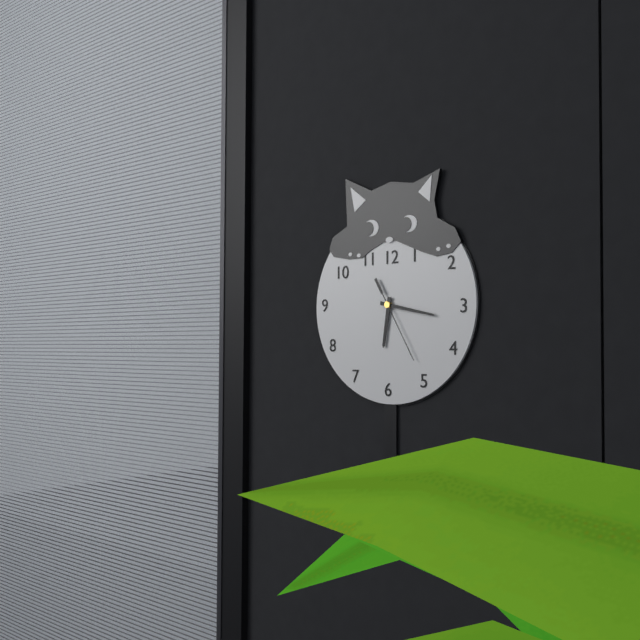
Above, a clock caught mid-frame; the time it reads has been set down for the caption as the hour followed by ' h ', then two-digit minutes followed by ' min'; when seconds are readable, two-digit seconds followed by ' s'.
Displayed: 6 h 17 min 25 s
